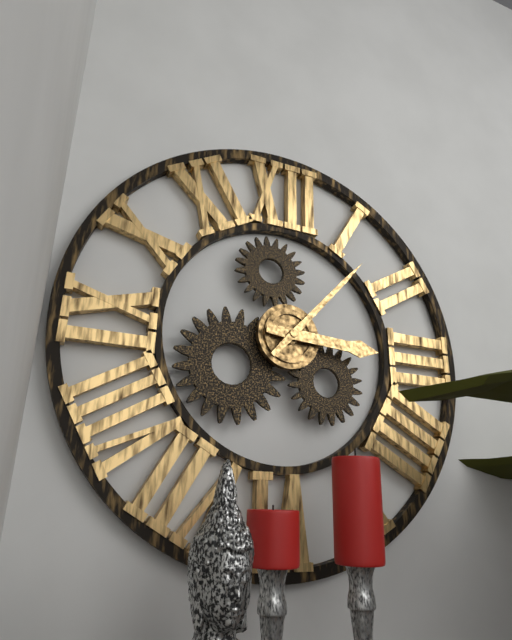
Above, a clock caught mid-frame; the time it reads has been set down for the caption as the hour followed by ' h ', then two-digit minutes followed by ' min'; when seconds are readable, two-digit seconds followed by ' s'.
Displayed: 3 h 07 min
